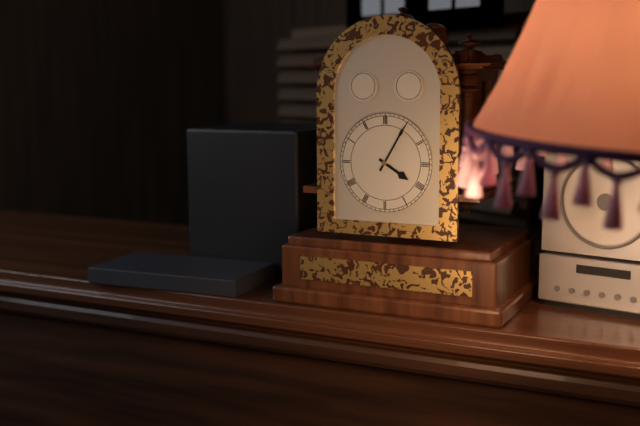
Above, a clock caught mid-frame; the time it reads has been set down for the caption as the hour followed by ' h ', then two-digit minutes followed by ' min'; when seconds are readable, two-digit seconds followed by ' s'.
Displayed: 4 h 05 min
